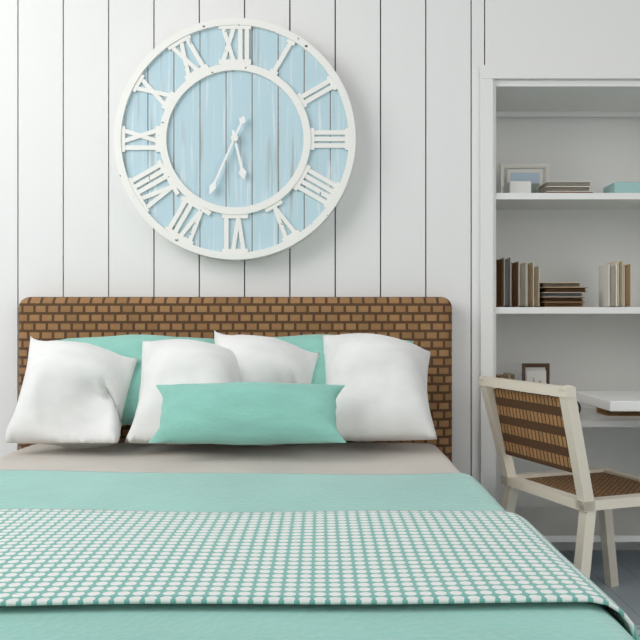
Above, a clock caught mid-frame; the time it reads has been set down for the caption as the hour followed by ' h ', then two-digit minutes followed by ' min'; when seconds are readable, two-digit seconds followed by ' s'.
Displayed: 5 h 34 min
